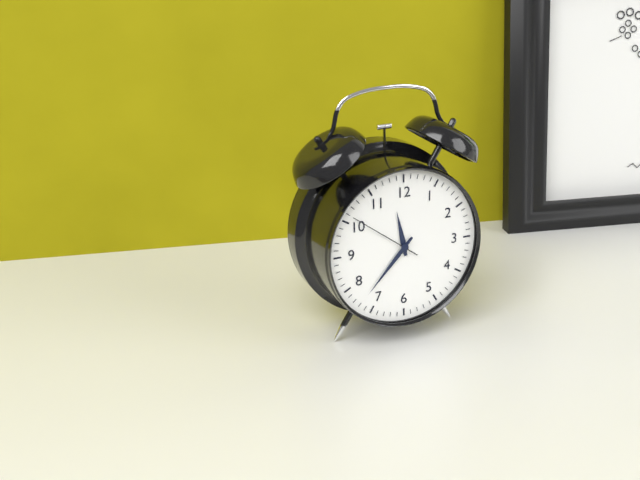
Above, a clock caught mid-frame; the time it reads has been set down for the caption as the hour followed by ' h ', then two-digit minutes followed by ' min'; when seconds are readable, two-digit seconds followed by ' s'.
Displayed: 11 h 37 min 51 s
